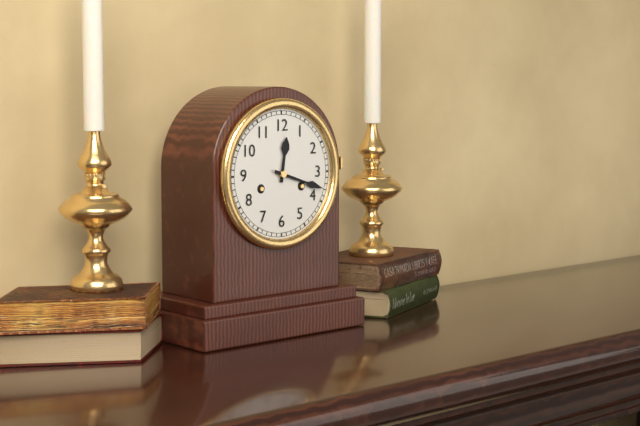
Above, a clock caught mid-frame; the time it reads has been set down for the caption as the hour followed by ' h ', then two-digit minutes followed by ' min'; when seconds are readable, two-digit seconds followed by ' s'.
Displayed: 12 h 18 min
